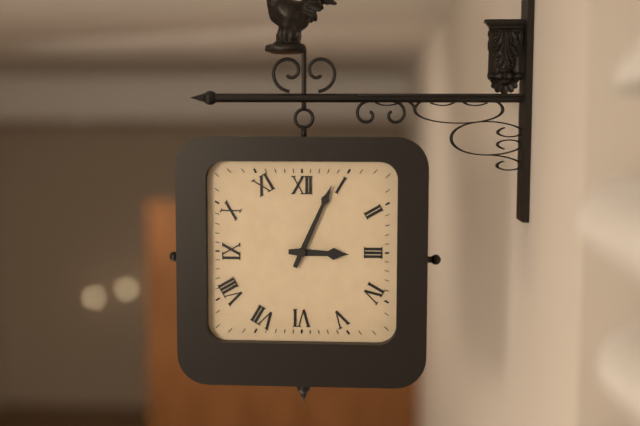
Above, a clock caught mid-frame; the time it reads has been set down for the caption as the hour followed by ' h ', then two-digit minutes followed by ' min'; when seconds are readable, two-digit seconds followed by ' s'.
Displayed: 3 h 04 min
